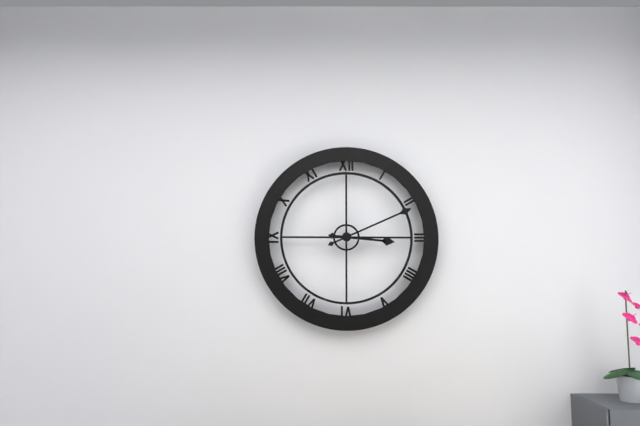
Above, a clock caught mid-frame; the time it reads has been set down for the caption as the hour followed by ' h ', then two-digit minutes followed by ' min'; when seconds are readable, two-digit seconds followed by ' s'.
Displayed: 3 h 11 min
